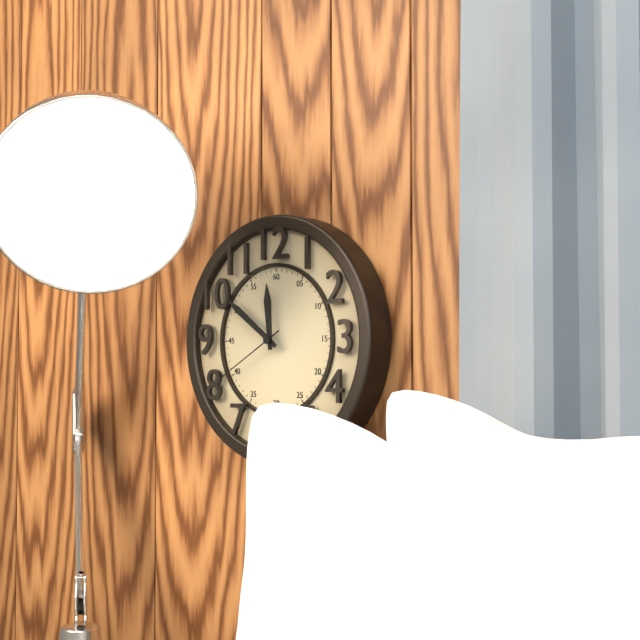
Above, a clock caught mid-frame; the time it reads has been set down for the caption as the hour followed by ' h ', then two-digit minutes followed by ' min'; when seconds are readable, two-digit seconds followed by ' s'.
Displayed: 11 h 51 min 40 s
